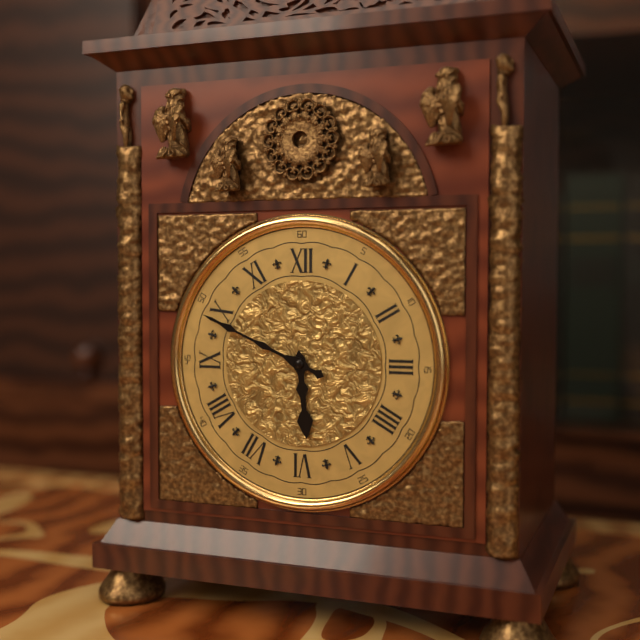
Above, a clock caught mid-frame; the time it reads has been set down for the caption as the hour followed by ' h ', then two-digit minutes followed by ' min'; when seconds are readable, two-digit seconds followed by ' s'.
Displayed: 5 h 49 min
